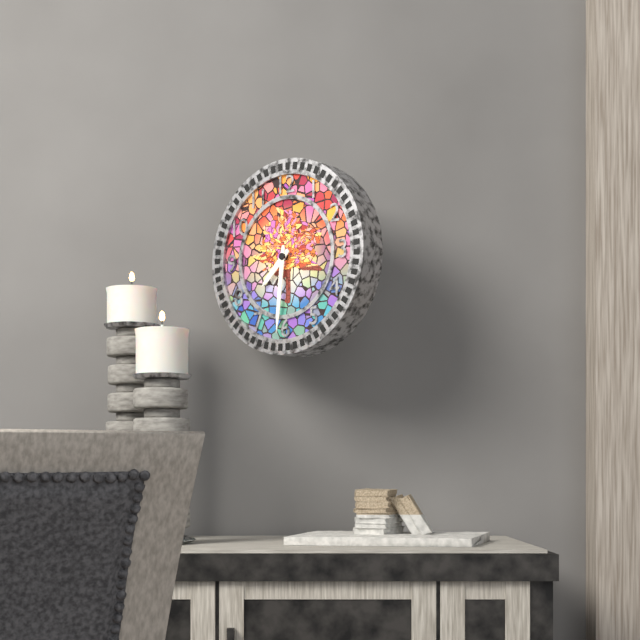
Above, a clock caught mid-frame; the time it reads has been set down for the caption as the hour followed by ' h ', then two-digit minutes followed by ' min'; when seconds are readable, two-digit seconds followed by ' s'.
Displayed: 7 h 31 min
